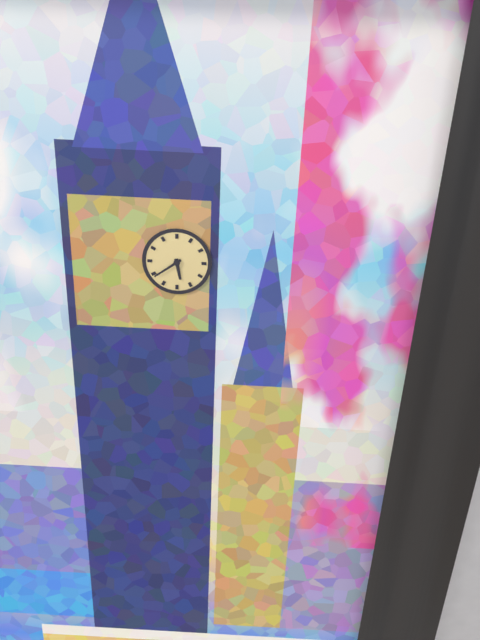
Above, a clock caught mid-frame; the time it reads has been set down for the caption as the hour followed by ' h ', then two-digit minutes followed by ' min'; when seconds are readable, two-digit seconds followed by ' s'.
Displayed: 5 h 39 min
